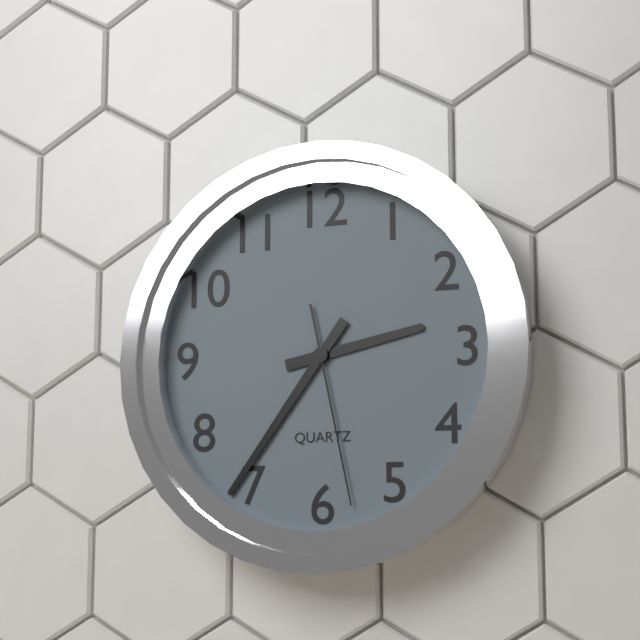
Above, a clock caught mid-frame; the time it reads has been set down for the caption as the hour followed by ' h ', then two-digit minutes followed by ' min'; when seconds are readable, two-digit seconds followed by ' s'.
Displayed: 2 h 36 min 28 s
